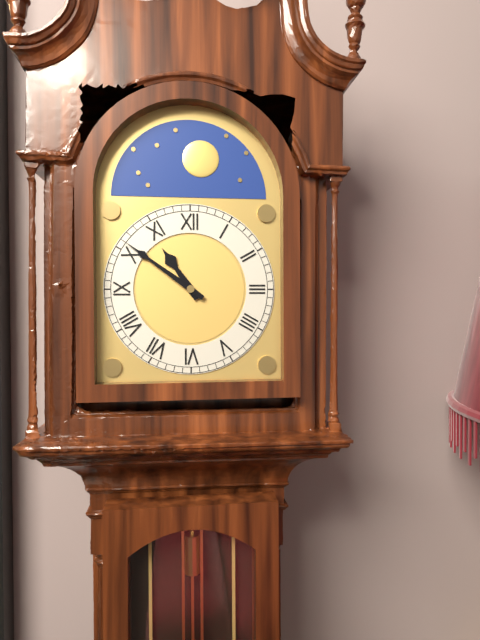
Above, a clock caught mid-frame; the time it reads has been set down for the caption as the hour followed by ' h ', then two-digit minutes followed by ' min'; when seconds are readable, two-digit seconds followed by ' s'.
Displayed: 10 h 51 min
